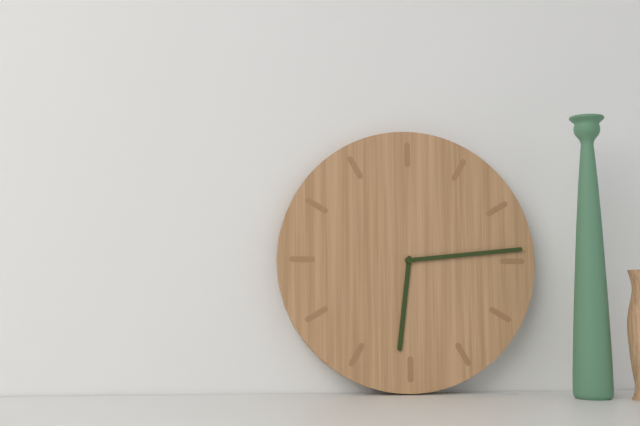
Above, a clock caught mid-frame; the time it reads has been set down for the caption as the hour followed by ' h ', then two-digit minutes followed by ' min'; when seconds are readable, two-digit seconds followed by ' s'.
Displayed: 6 h 14 min
